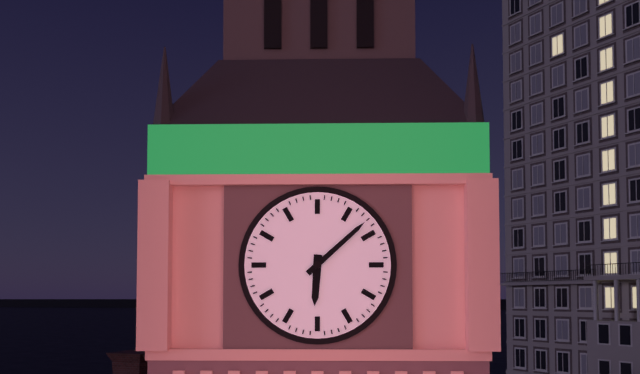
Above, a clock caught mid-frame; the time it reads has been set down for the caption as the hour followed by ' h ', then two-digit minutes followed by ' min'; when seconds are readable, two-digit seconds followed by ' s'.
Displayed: 6 h 08 min
